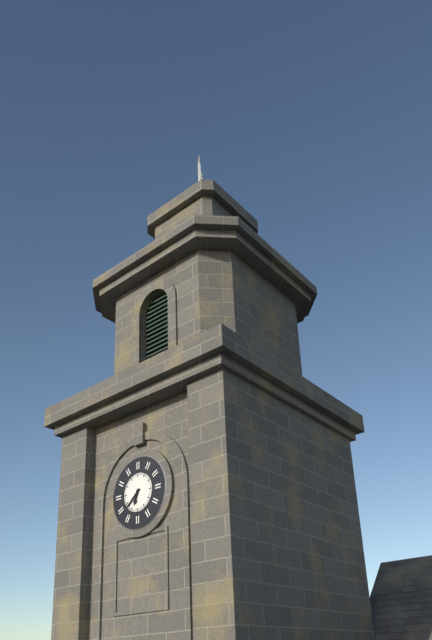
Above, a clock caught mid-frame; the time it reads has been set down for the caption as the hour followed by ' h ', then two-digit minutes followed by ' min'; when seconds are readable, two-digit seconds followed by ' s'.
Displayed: 6 h 38 min
